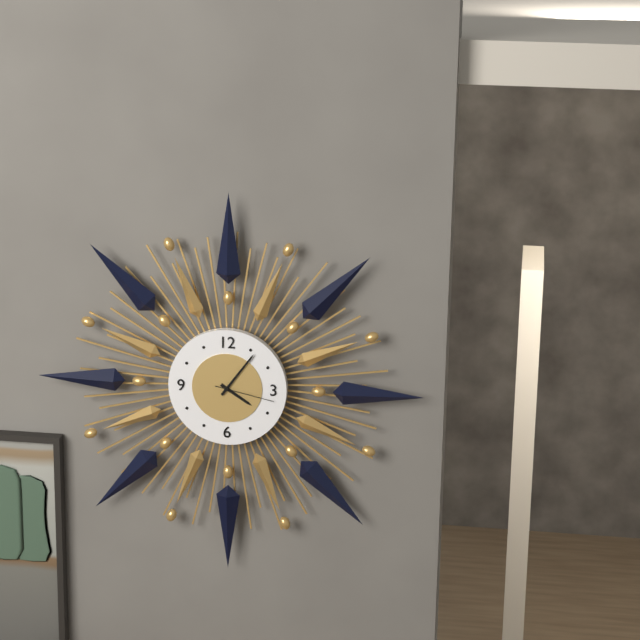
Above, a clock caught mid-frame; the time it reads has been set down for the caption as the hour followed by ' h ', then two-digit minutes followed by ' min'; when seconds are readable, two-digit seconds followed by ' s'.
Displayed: 4 h 06 min 17 s
